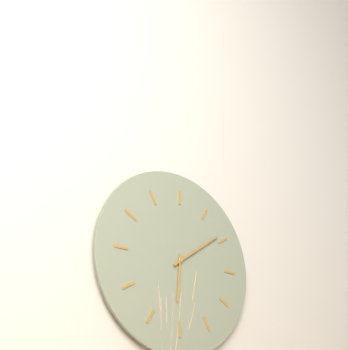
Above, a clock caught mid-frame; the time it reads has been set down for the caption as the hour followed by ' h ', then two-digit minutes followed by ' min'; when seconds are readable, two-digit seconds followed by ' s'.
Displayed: 6 h 09 min
